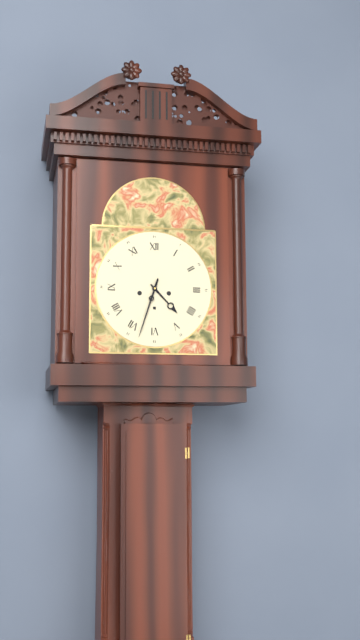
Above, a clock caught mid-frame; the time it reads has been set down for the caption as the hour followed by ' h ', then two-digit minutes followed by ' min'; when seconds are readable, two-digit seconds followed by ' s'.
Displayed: 4 h 33 min
